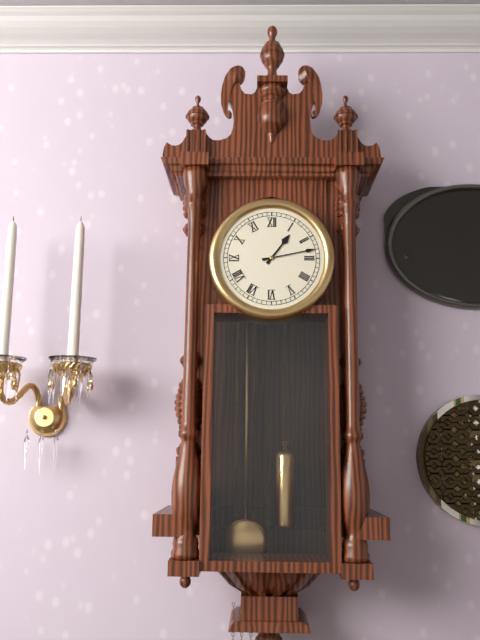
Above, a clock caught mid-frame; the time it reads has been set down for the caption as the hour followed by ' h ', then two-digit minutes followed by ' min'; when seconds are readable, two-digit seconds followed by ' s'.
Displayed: 1 h 13 min
